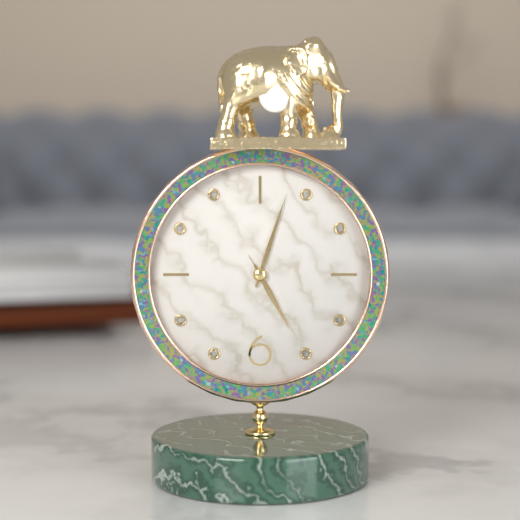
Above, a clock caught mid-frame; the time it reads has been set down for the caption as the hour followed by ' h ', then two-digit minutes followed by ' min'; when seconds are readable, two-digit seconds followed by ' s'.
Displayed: 5 h 03 min 25 s
